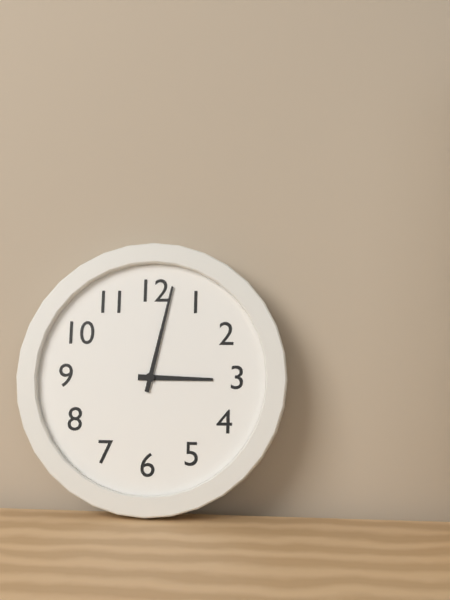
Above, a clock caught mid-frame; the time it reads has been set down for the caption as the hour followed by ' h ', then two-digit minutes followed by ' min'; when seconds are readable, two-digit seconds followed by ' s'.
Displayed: 3 h 02 min
